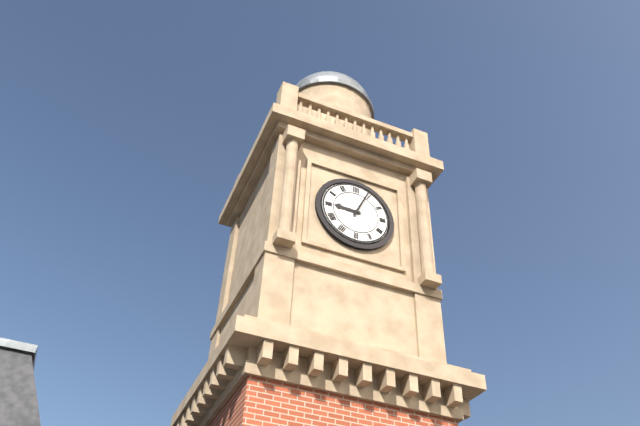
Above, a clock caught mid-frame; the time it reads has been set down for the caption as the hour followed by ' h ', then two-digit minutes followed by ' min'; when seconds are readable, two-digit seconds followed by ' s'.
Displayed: 9 h 04 min
